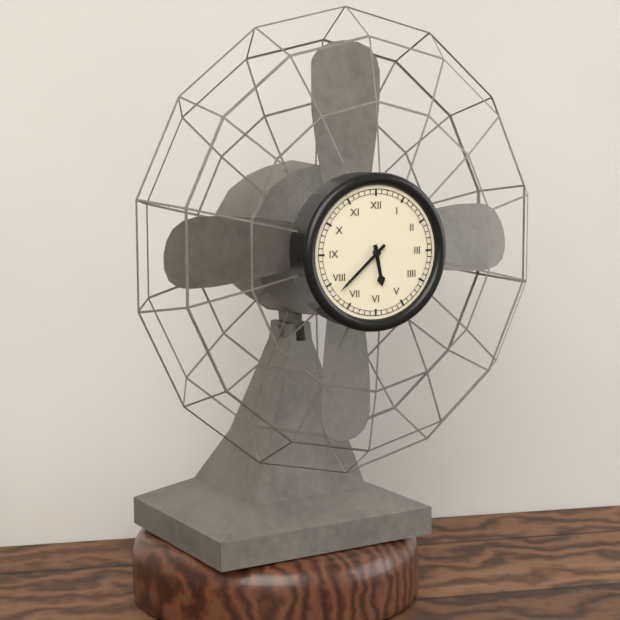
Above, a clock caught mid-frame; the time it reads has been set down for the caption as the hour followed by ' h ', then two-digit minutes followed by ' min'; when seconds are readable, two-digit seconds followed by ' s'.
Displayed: 5 h 38 min
